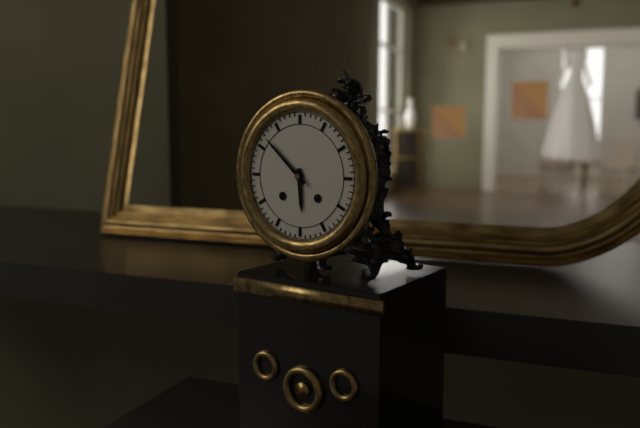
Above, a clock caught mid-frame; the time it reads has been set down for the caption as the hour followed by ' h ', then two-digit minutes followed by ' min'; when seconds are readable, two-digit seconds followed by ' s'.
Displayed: 5 h 52 min
